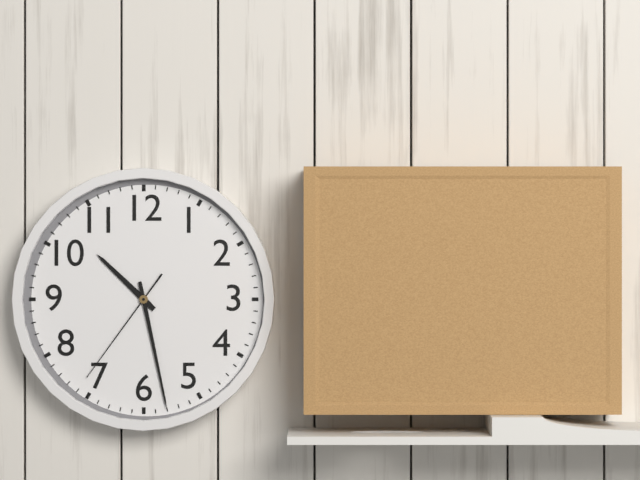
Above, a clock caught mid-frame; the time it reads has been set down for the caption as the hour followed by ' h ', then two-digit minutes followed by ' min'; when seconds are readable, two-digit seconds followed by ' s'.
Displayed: 10 h 28 min 36 s
